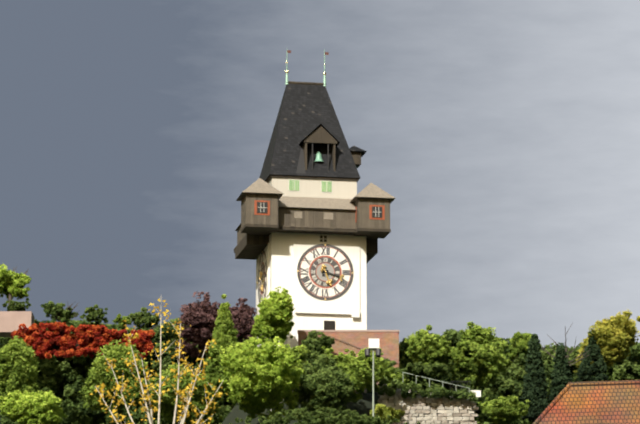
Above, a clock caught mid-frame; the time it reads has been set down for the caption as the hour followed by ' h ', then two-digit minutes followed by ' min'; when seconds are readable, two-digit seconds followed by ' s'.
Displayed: 5 h 18 min
